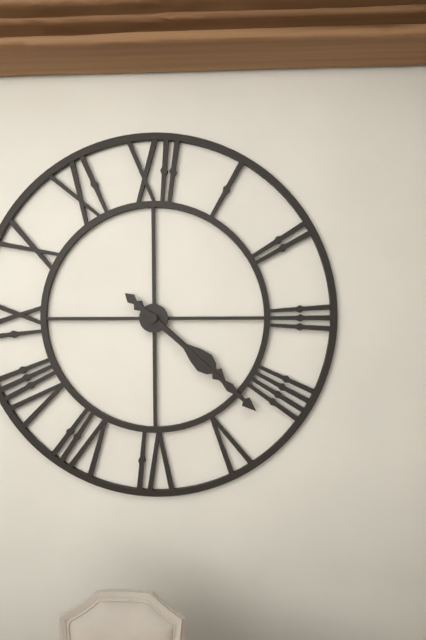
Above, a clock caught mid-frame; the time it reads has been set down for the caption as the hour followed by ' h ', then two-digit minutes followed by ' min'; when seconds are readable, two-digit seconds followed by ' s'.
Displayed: 4 h 22 min
